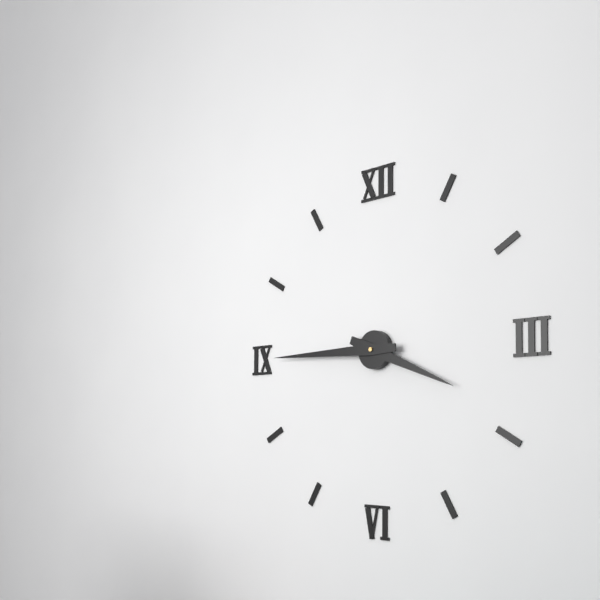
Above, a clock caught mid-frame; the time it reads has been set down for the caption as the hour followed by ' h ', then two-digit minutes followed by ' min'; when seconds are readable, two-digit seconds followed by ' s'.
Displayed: 3 h 45 min
